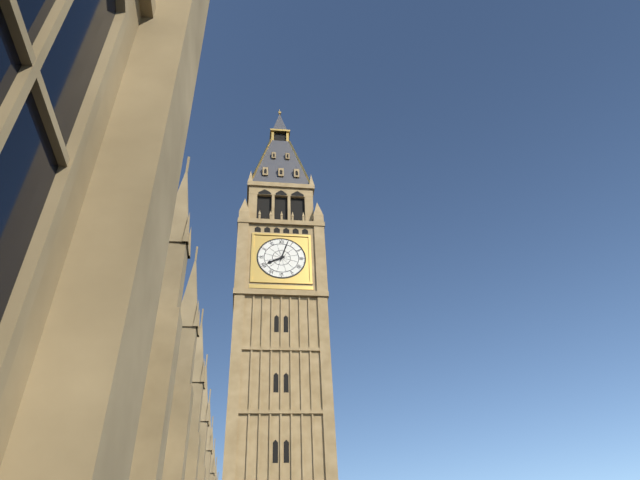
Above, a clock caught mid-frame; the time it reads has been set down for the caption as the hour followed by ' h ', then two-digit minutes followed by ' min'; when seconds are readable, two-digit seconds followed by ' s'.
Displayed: 8 h 03 min
